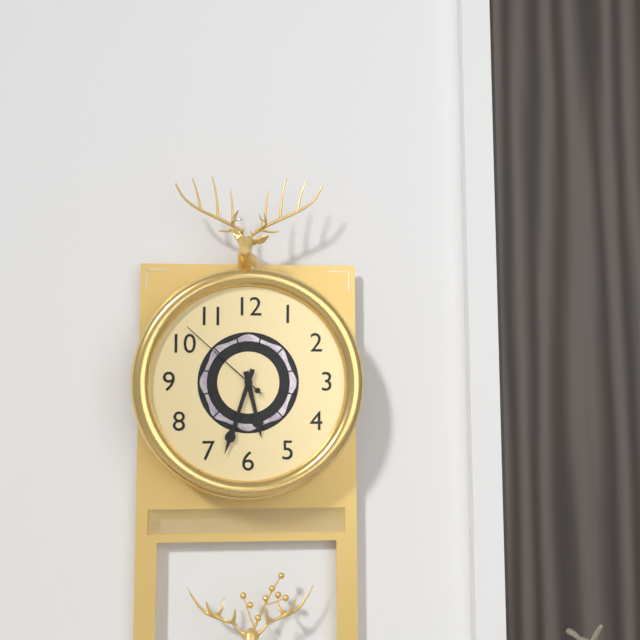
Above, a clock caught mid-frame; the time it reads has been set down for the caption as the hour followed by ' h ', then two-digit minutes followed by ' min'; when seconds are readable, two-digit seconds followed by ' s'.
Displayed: 5 h 33 min 52 s
